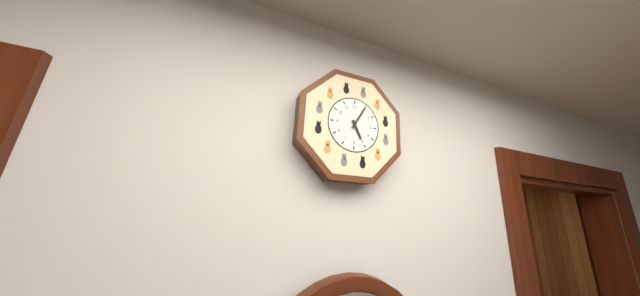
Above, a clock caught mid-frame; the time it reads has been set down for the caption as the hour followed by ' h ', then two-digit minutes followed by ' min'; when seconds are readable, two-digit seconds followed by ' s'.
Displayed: 5 h 05 min
